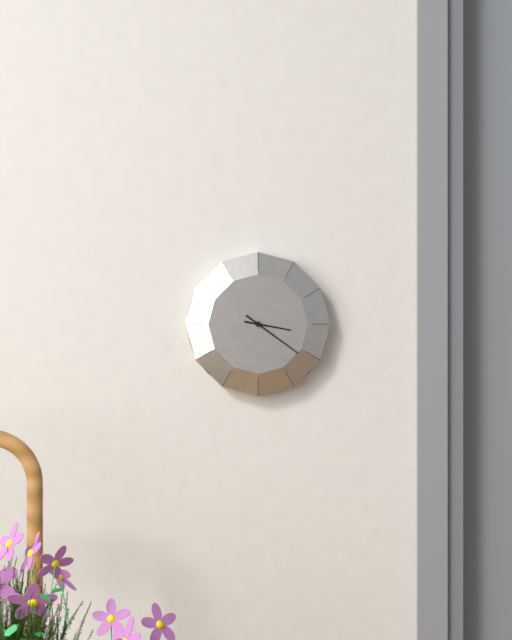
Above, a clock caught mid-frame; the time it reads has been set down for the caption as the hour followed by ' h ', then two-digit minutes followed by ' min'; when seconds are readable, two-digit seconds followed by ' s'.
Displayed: 3 h 21 min
